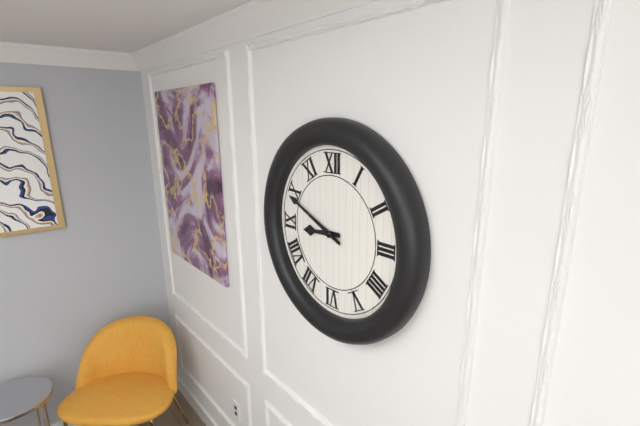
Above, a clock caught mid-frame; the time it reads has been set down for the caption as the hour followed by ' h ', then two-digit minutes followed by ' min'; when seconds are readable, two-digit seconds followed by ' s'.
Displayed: 8 h 49 min
